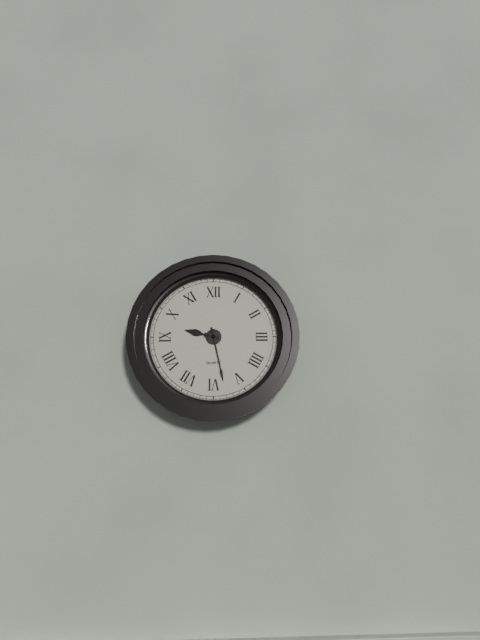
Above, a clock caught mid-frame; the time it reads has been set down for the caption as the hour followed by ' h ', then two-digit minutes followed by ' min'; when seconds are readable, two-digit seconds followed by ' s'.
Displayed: 9 h 28 min
